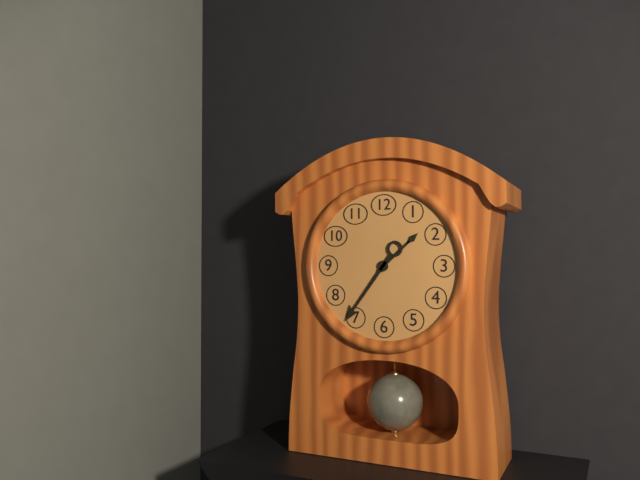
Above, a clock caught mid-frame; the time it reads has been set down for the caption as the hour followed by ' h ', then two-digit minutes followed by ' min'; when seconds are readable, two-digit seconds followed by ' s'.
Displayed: 1 h 36 min
